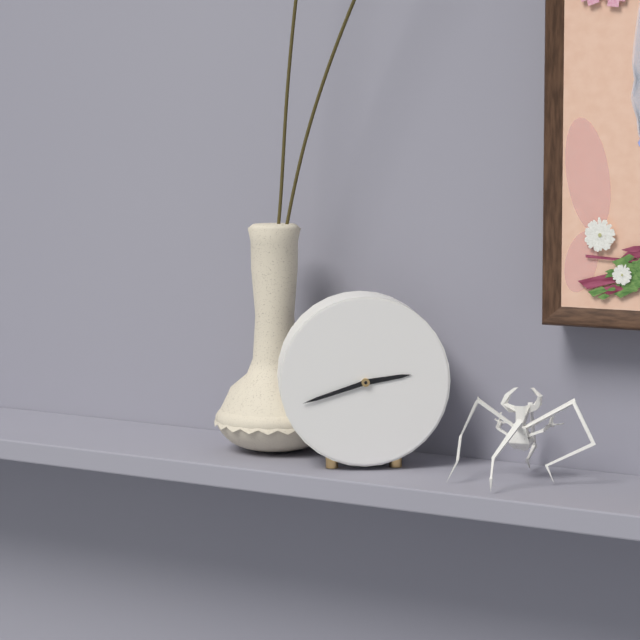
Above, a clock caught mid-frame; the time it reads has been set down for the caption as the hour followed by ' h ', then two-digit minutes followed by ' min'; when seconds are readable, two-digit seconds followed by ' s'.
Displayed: 2 h 42 min
